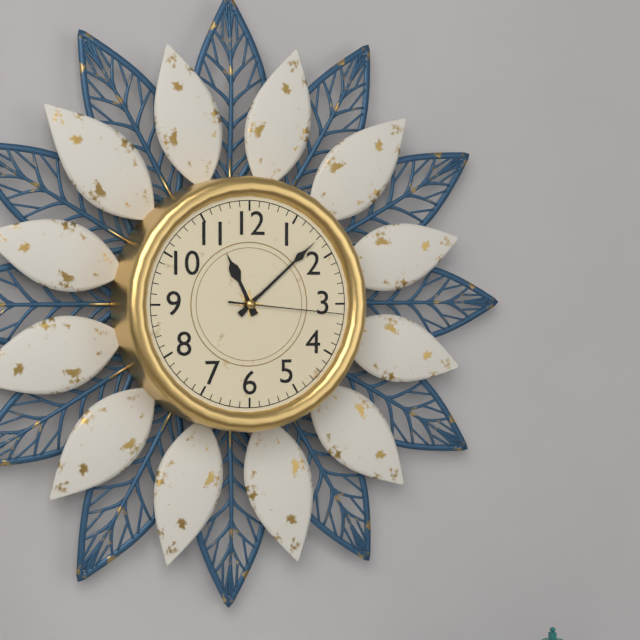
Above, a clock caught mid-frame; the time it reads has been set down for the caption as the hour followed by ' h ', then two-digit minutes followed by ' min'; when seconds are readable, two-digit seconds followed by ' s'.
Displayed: 11 h 08 min 16 s
